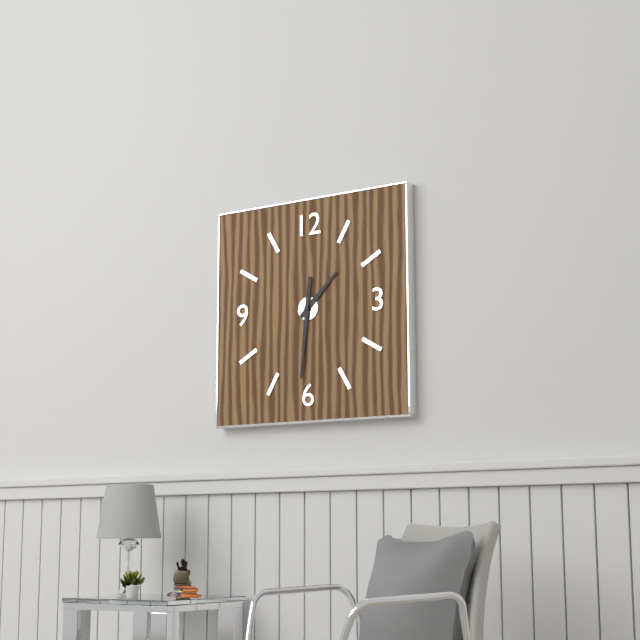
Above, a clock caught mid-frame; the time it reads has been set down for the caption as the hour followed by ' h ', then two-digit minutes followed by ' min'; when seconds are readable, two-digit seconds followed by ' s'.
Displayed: 1 h 31 min
